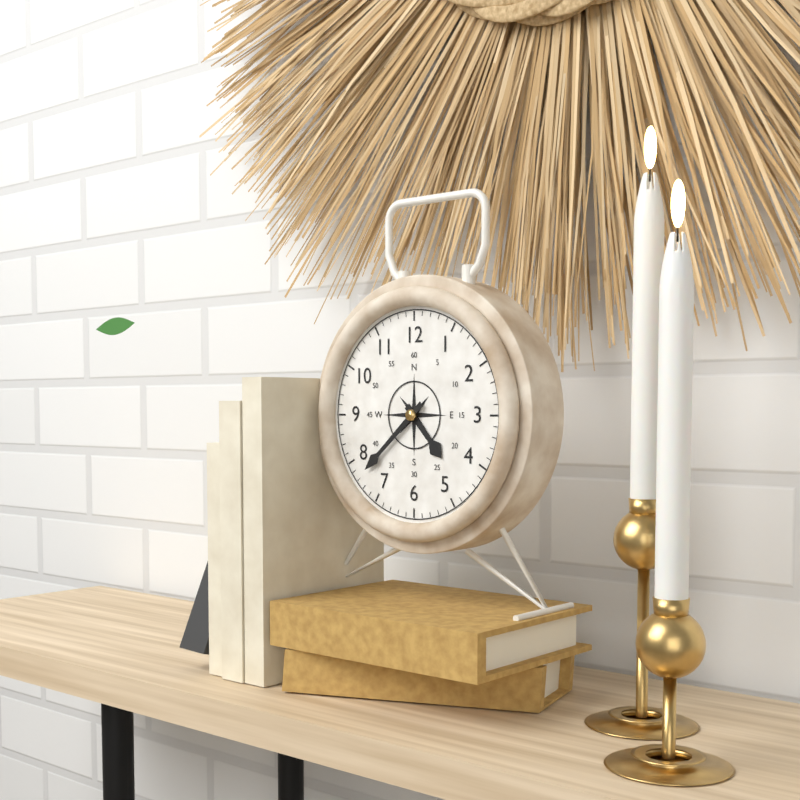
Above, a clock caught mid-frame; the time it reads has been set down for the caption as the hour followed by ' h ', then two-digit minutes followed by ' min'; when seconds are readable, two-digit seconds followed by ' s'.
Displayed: 4 h 38 min
